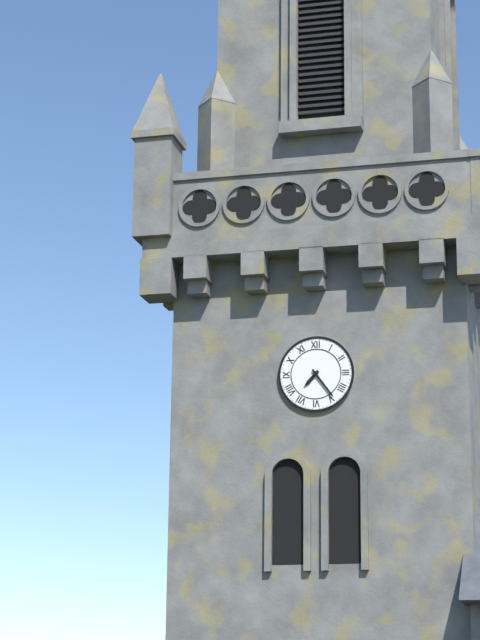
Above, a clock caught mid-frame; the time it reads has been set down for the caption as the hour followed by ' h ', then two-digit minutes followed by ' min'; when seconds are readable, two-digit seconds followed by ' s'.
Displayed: 7 h 24 min
